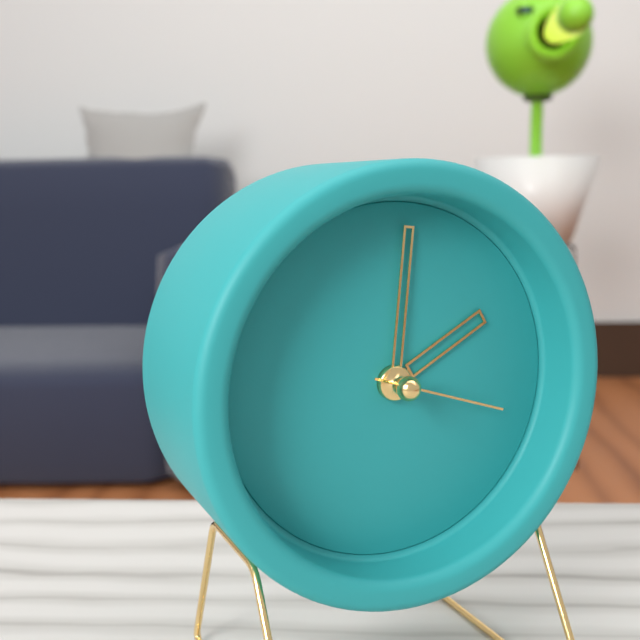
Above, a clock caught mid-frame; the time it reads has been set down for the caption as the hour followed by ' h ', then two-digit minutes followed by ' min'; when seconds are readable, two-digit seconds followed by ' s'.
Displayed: 2 h 01 min 18 s
